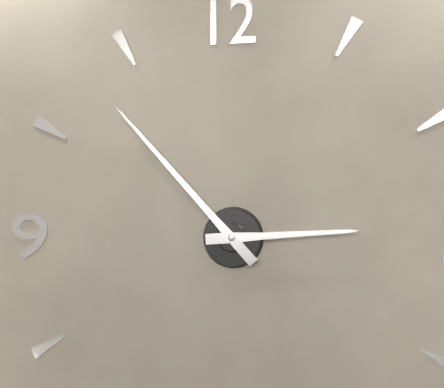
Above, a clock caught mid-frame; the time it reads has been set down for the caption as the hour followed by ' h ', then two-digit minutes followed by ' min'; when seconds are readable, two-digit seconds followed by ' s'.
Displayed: 2 h 53 min
